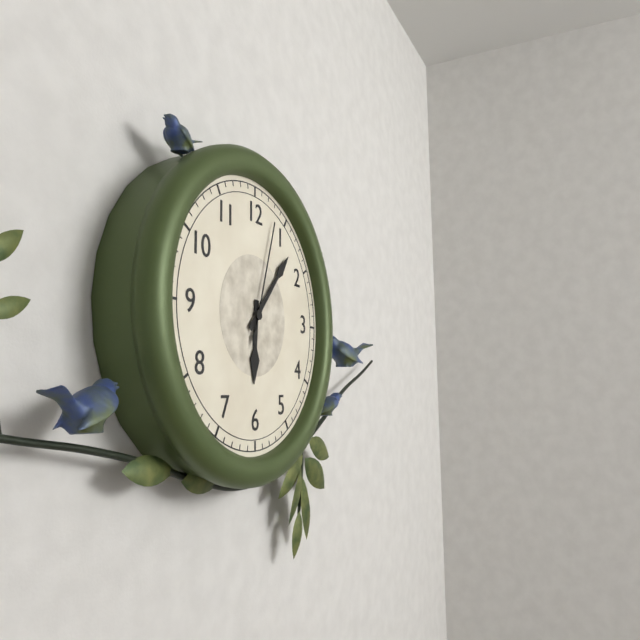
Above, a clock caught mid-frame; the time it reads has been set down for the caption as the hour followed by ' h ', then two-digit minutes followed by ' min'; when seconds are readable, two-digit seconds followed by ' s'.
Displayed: 6 h 07 min 03 s
